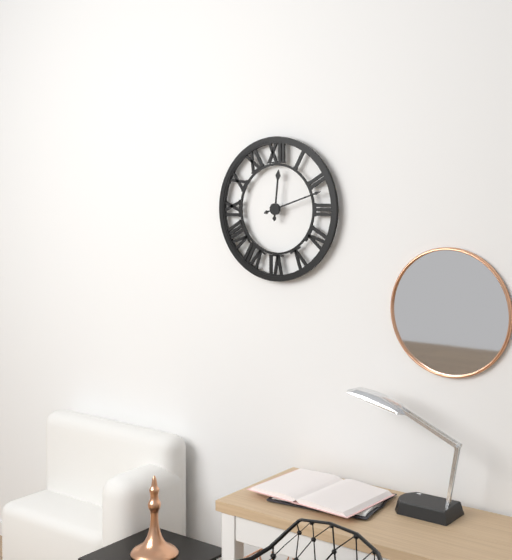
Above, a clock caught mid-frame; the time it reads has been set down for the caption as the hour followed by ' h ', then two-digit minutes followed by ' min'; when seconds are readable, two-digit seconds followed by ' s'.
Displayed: 12 h 12 min
